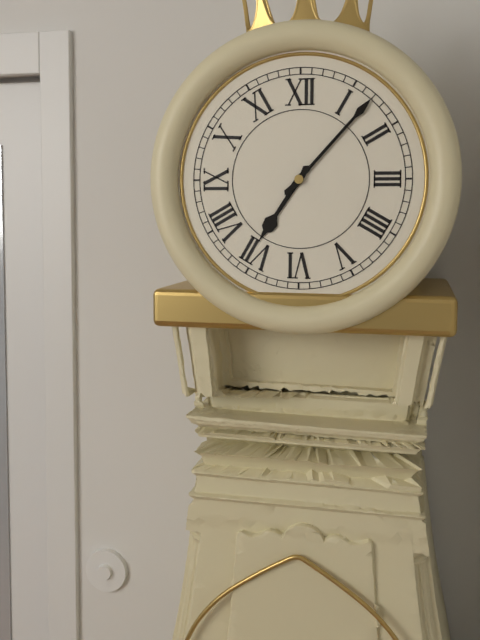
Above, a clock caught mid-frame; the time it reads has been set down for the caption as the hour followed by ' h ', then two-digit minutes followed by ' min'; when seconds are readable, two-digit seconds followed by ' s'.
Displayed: 7 h 07 min
